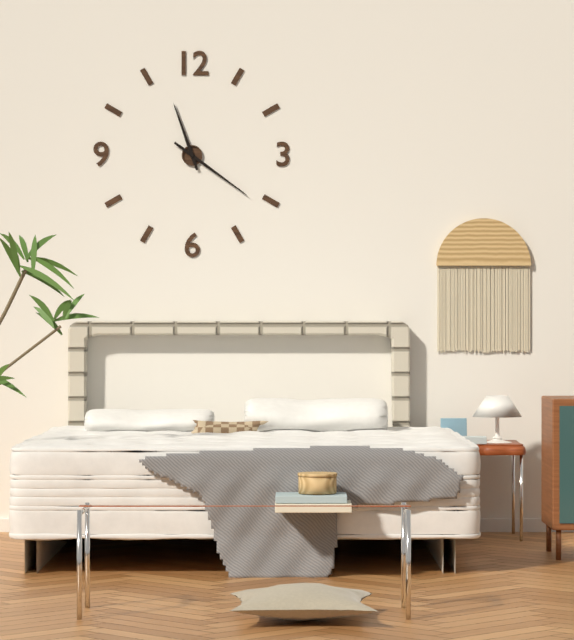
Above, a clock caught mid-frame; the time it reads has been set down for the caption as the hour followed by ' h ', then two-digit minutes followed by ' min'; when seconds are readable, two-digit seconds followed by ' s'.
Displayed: 11 h 21 min
